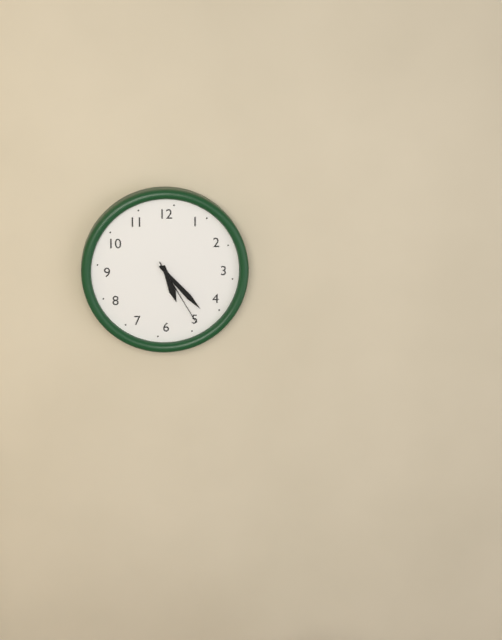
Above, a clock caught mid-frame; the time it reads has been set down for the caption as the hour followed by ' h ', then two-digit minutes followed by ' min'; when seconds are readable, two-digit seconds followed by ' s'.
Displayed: 5 h 23 min 25 s
